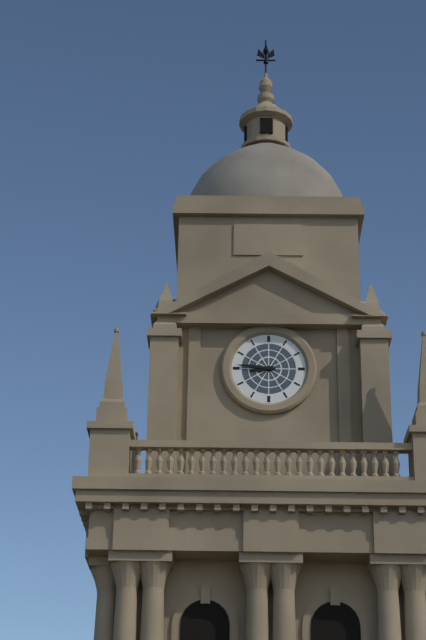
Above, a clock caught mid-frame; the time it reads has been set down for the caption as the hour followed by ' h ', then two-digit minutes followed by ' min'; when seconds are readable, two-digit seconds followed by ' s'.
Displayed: 8 h 46 min
